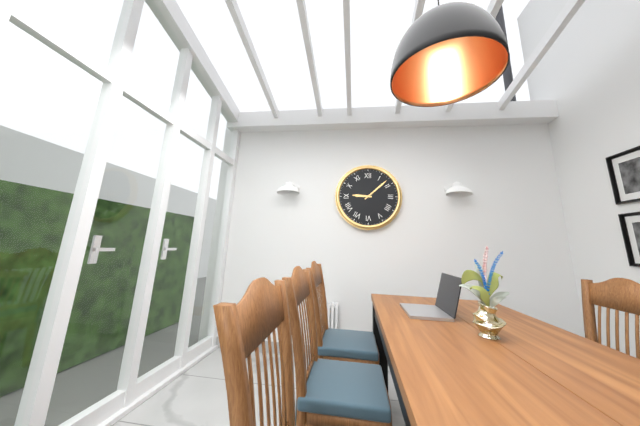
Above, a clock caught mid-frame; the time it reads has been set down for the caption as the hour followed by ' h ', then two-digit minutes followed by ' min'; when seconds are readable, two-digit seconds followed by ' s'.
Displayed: 9 h 08 min
